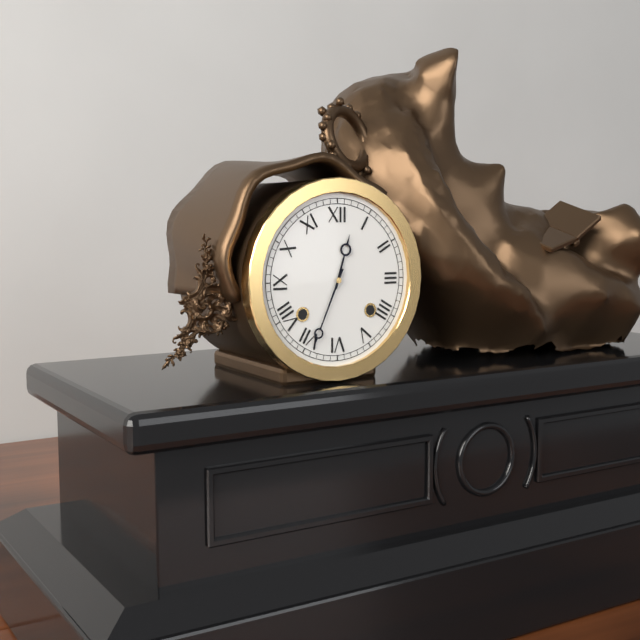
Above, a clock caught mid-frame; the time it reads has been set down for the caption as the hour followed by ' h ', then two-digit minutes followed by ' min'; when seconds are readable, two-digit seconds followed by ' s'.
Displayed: 12 h 34 min
